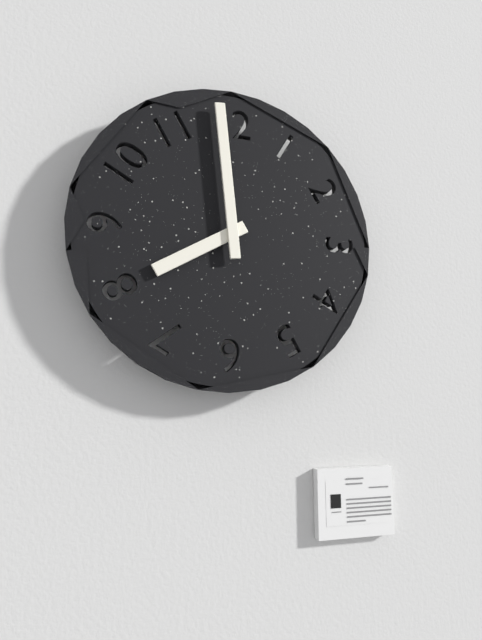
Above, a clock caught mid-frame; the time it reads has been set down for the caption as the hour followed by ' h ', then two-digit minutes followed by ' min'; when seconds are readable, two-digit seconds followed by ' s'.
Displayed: 7 h 59 min
